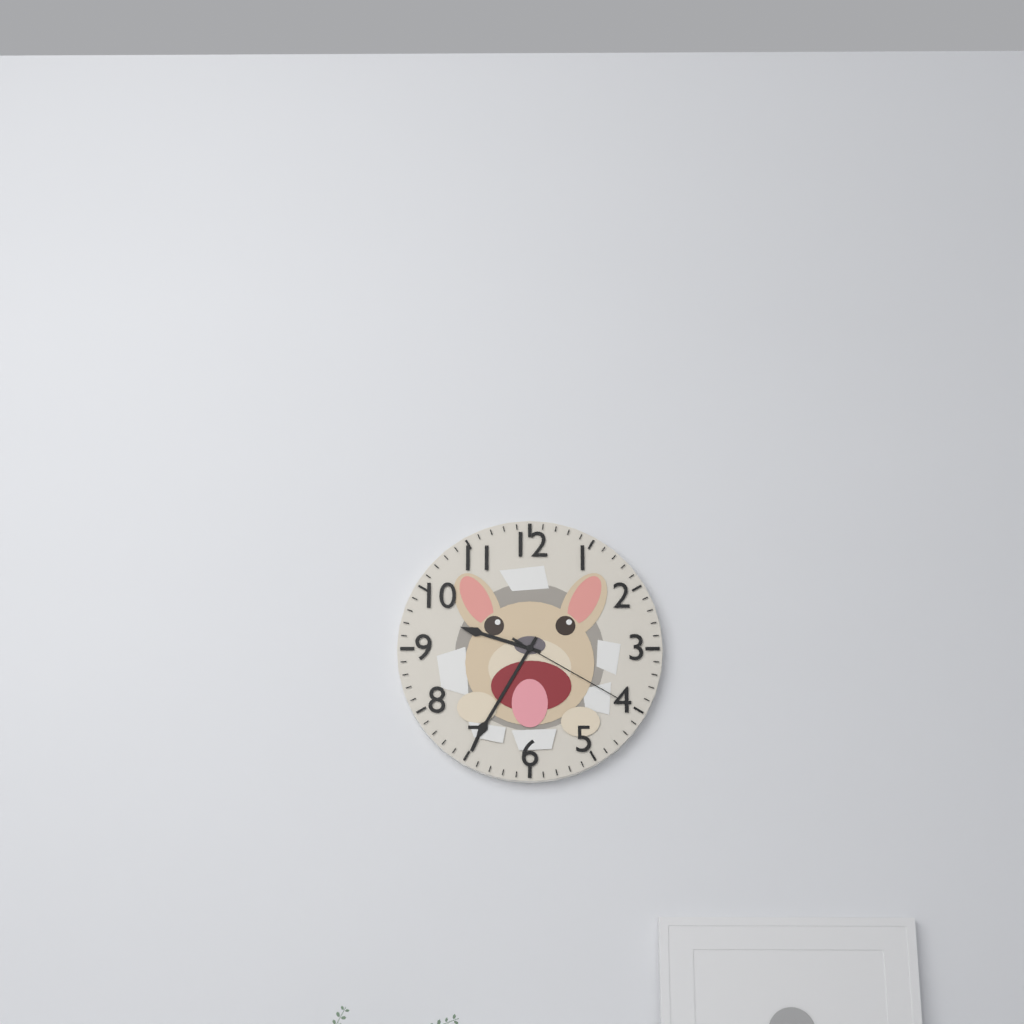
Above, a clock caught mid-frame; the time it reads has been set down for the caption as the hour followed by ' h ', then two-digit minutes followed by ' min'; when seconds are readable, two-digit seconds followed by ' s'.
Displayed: 9 h 35 min 20 s
